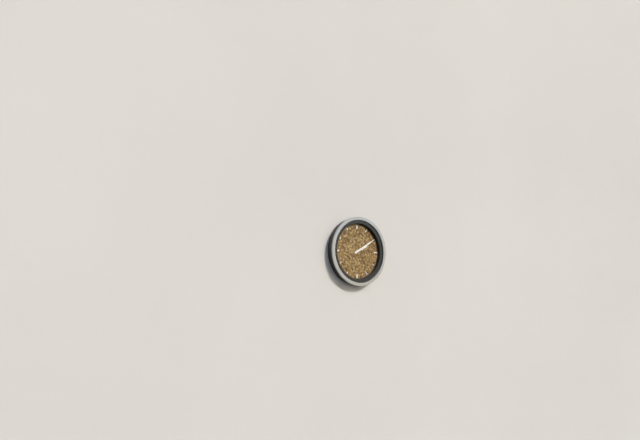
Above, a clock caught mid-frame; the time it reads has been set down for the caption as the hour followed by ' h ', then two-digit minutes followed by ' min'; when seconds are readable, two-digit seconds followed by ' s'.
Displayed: 2 h 10 min
